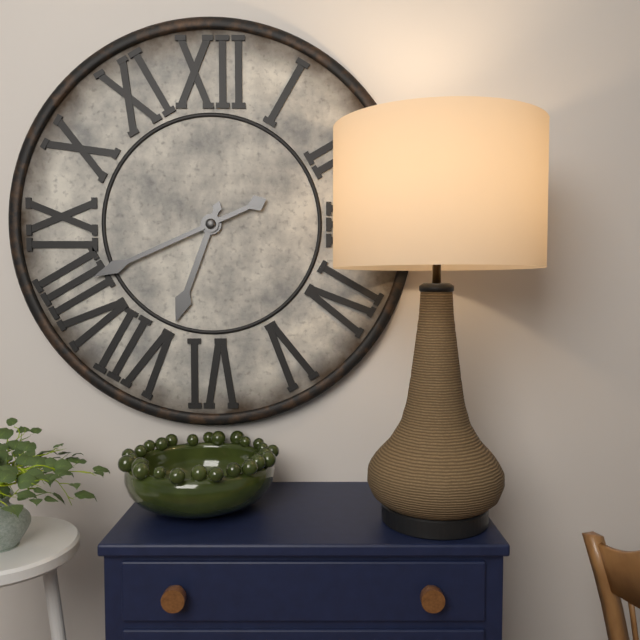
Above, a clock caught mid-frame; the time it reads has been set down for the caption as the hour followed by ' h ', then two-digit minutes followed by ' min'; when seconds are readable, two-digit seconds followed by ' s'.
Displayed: 6 h 41 min
